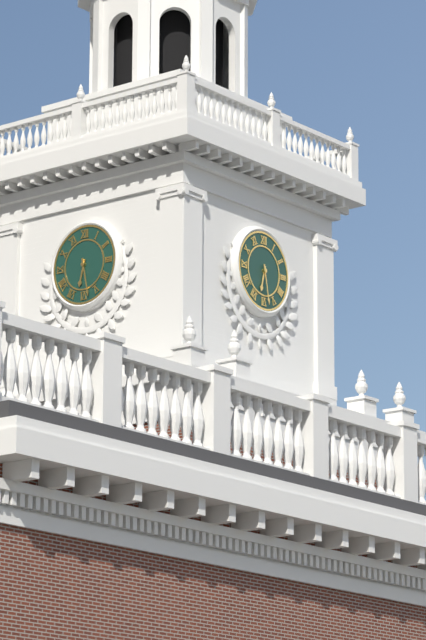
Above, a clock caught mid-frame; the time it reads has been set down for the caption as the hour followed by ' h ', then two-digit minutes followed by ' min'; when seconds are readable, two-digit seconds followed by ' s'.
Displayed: 6 h 28 min
